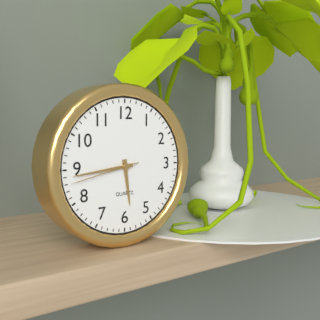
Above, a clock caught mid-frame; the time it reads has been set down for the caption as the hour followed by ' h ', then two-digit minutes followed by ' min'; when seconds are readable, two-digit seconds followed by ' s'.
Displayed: 5 h 44 min 43 s
